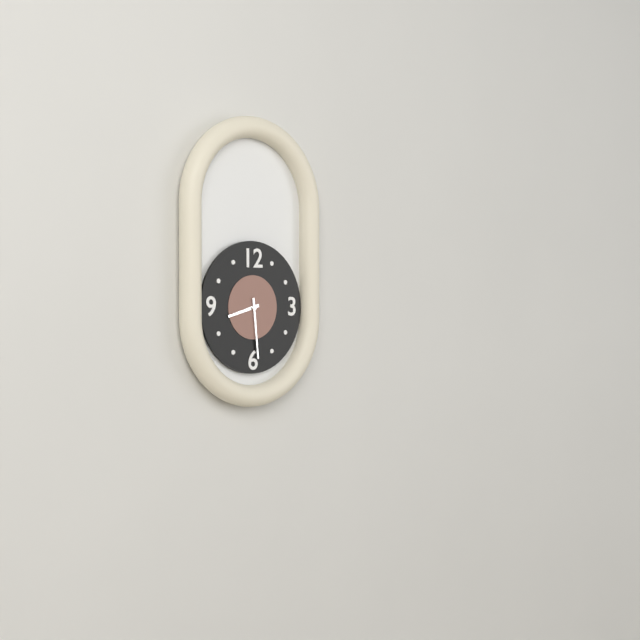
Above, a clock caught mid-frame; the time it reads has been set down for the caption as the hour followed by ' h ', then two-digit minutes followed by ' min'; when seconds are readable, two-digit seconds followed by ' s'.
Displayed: 8 h 29 min
